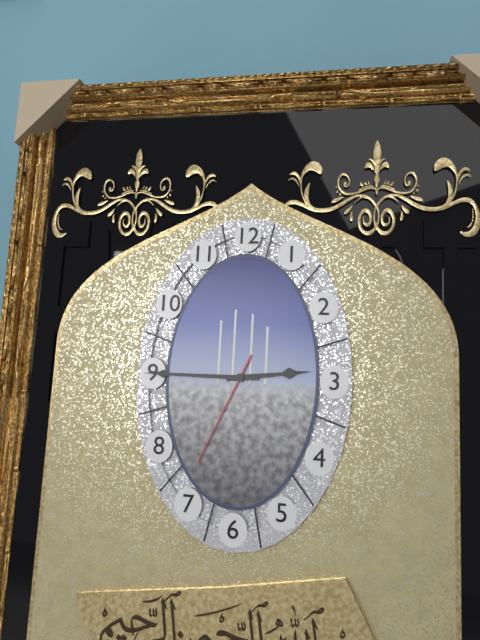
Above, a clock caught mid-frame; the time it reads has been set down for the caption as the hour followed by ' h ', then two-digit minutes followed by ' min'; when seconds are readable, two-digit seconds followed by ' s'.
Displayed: 2 h 45 min 34 s
